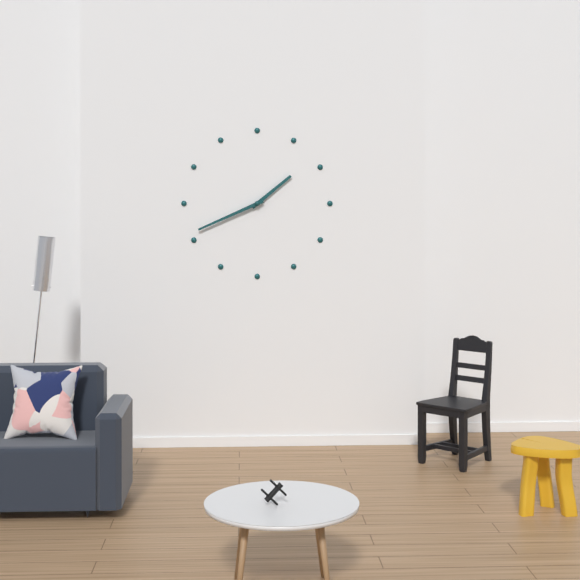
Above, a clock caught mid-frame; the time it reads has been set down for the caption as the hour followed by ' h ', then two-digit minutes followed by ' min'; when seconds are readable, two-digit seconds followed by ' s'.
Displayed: 1 h 41 min
